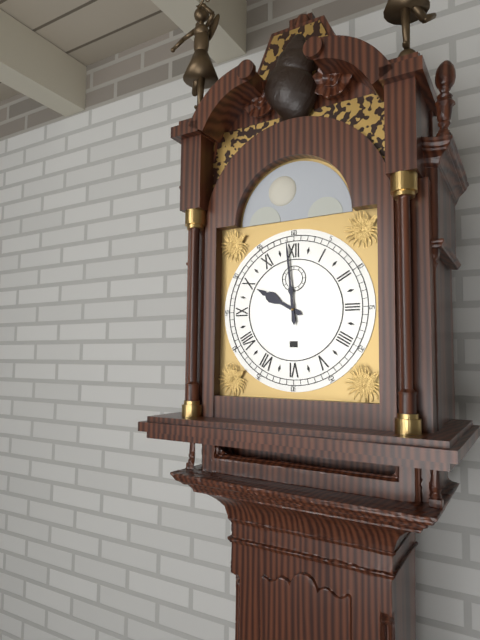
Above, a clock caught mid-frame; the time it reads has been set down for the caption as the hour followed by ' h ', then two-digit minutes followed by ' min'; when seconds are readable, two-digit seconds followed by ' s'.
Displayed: 9 h 59 min
